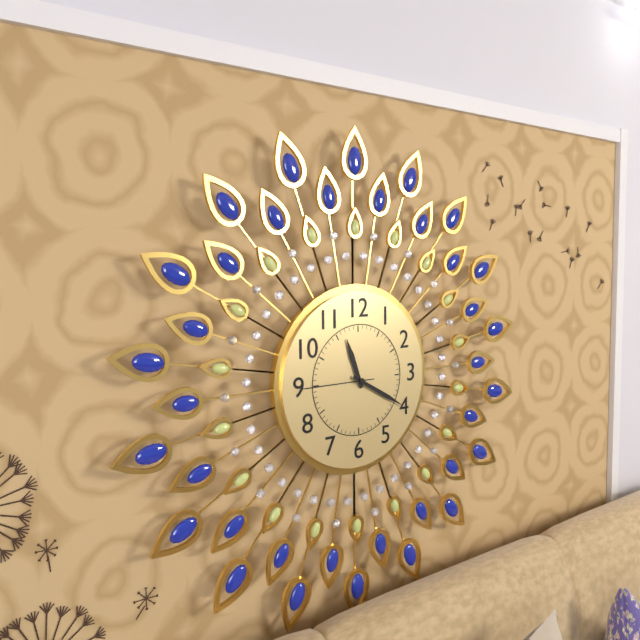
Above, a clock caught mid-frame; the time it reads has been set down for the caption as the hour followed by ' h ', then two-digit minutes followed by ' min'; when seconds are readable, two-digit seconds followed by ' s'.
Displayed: 11 h 20 min 45 s
